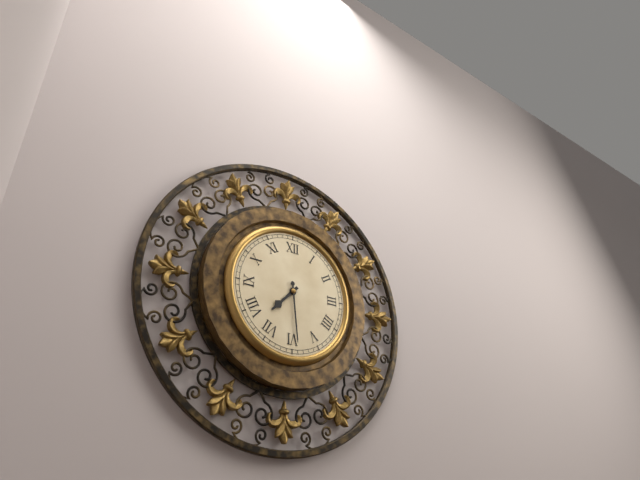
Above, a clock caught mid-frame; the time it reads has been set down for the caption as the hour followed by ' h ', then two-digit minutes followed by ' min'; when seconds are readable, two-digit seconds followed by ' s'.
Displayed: 7 h 29 min
